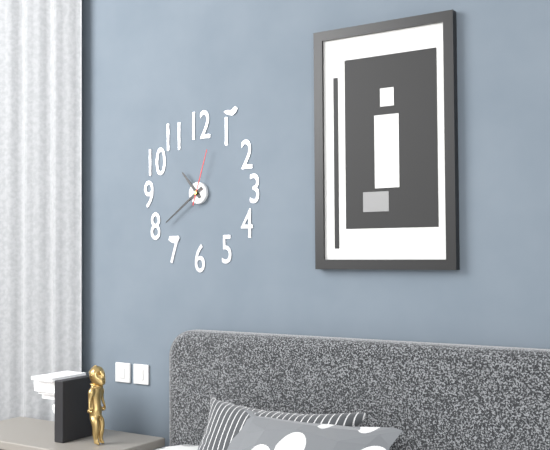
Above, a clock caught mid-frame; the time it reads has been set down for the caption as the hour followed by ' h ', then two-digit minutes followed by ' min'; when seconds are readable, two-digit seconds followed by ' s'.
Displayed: 10 h 39 min 03 s
